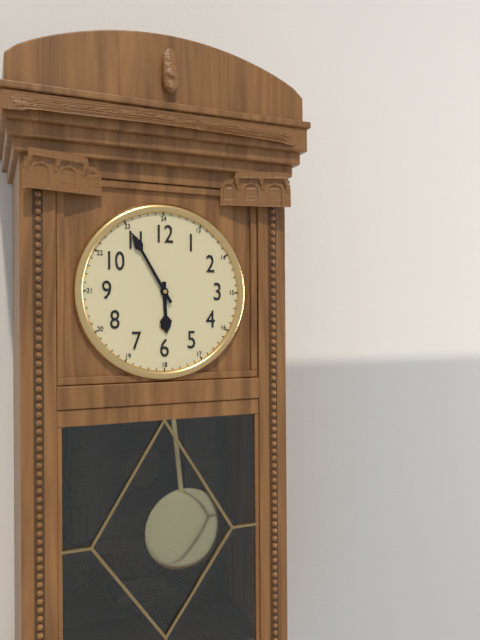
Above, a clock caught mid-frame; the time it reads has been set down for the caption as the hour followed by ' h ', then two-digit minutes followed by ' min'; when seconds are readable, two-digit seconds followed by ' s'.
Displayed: 5 h 55 min
